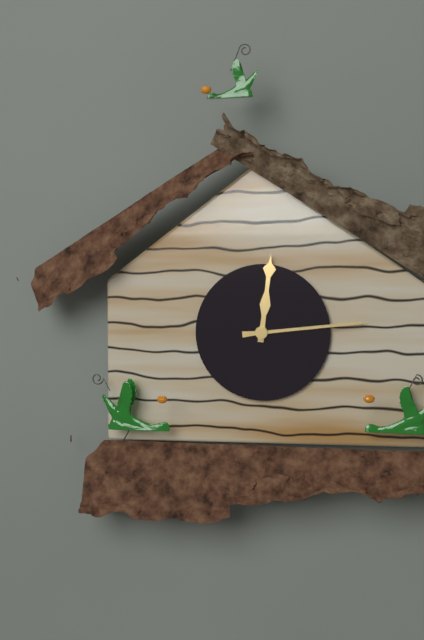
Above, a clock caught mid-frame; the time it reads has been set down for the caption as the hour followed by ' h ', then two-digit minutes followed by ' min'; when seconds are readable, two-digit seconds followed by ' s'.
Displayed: 12 h 14 min
